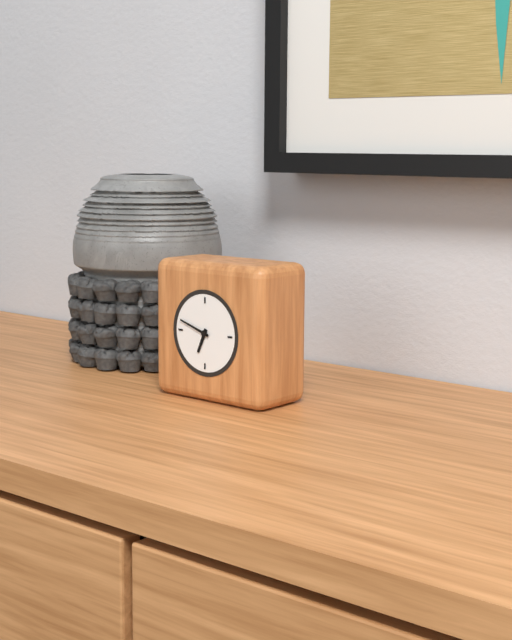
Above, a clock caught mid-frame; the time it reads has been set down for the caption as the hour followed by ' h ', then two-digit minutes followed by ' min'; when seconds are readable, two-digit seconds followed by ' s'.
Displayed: 6 h 48 min
